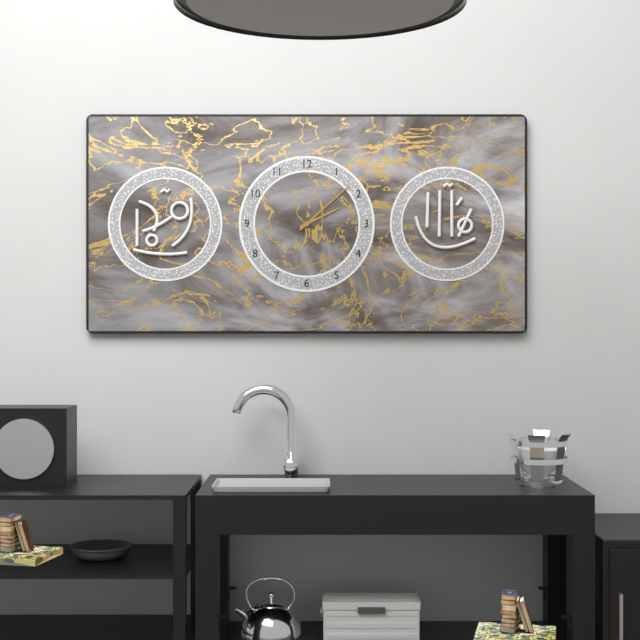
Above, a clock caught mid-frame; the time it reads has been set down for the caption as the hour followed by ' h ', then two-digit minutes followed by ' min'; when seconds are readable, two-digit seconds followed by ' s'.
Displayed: 2 h 08 min
